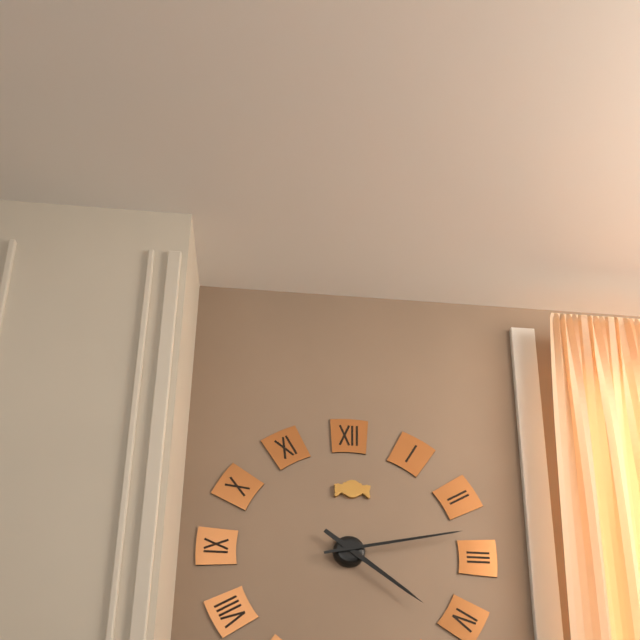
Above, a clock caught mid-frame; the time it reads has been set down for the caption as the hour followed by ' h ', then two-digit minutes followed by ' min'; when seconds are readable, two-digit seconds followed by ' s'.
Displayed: 4 h 13 min
